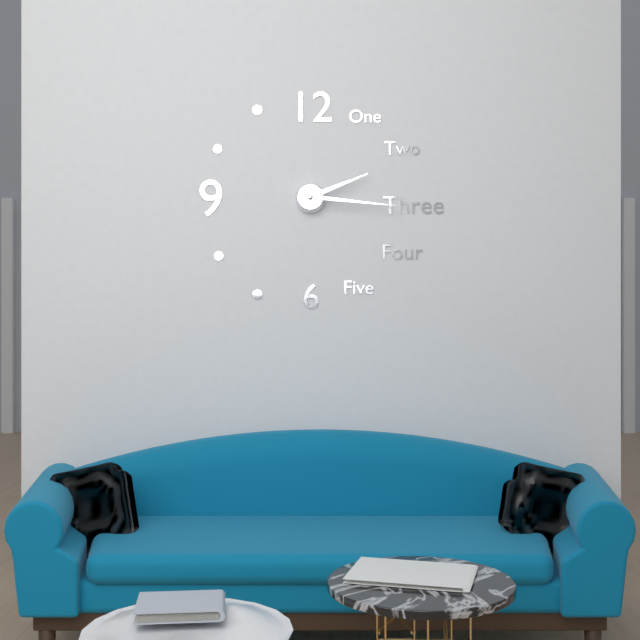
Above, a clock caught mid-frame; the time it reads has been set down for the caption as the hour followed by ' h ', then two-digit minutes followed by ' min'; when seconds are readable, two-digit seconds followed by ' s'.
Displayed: 2 h 16 min
